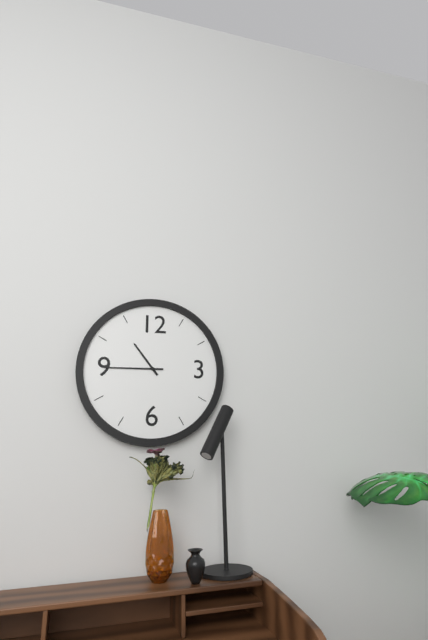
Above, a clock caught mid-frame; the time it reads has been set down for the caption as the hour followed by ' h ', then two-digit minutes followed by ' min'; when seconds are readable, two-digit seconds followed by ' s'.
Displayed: 10 h 45 min
